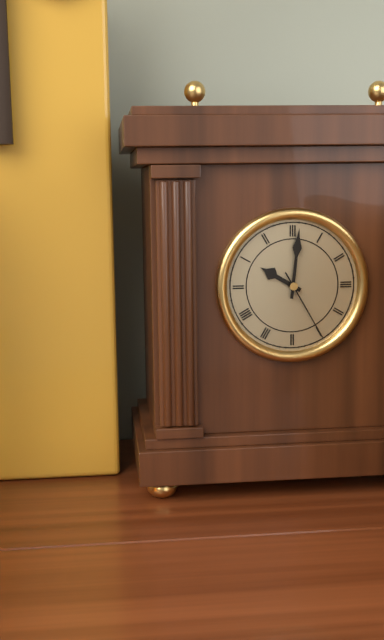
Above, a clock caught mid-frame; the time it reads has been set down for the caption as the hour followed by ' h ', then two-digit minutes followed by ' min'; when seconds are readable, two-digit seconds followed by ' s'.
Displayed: 10 h 01 min 25 s
